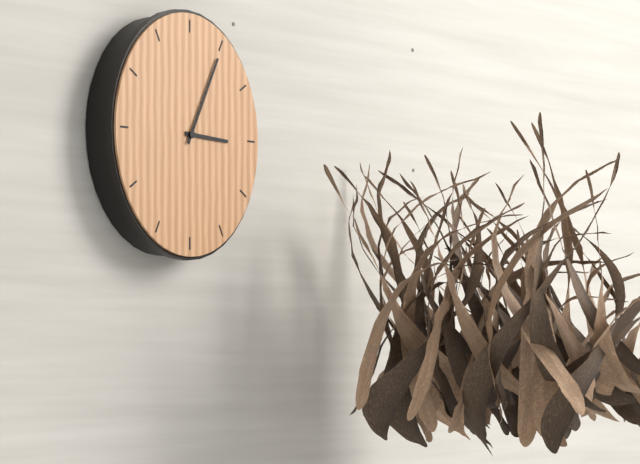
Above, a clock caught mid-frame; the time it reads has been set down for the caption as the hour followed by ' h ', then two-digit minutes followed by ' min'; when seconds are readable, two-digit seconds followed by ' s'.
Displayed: 3 h 05 min
